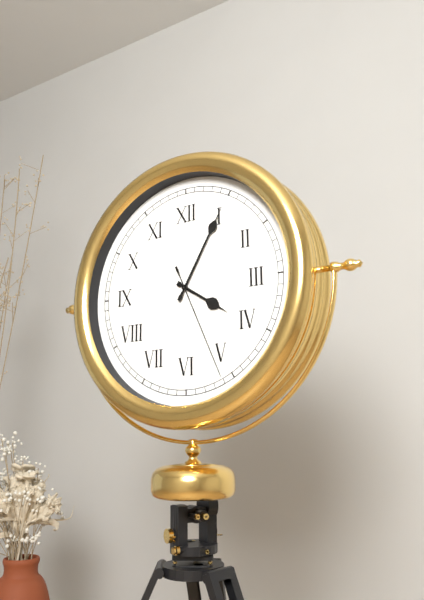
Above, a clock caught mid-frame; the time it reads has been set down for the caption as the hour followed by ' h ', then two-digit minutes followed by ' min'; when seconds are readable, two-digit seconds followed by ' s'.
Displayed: 4 h 05 min 26 s
